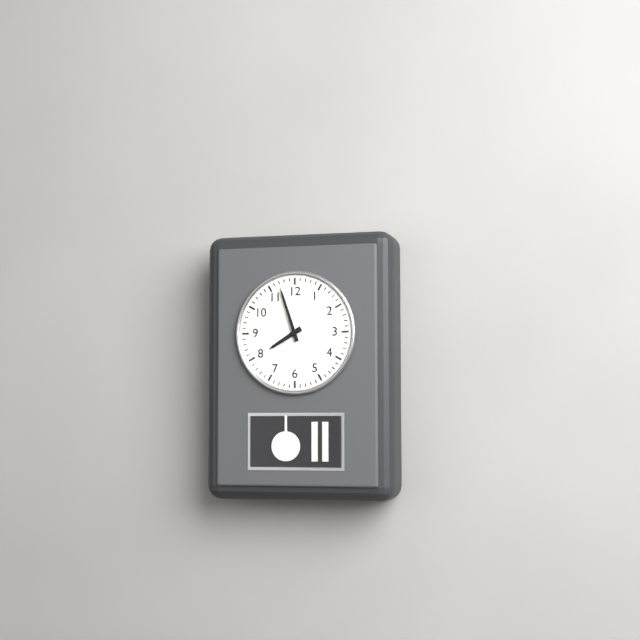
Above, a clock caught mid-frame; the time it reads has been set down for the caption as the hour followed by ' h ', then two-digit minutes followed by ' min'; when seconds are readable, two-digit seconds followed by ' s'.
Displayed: 7 h 57 min
